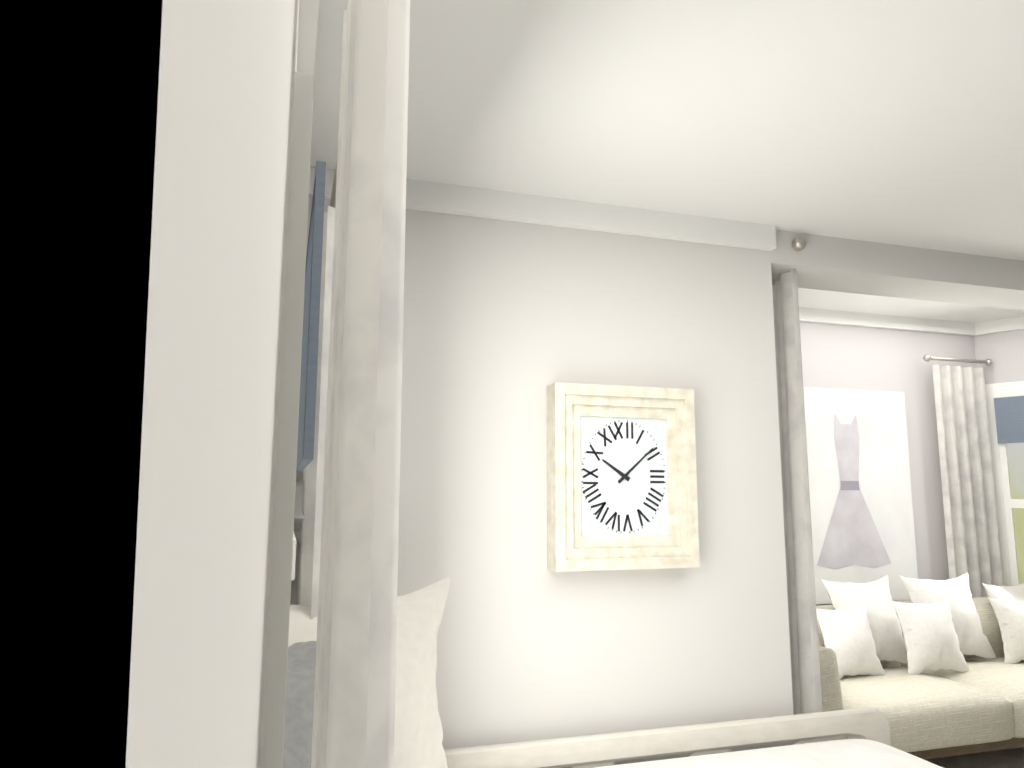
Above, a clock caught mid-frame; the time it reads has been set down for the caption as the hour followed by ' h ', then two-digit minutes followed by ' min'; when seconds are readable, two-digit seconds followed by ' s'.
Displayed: 10 h 08 min
